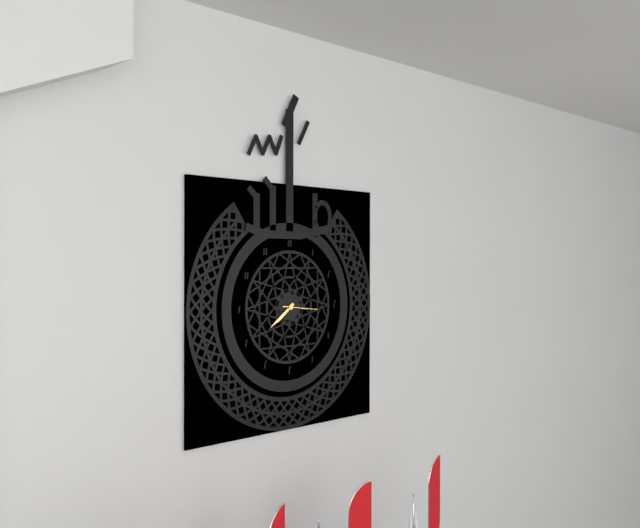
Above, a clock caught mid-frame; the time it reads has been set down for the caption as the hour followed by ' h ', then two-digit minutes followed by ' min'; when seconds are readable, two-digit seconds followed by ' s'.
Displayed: 7 h 39 min
